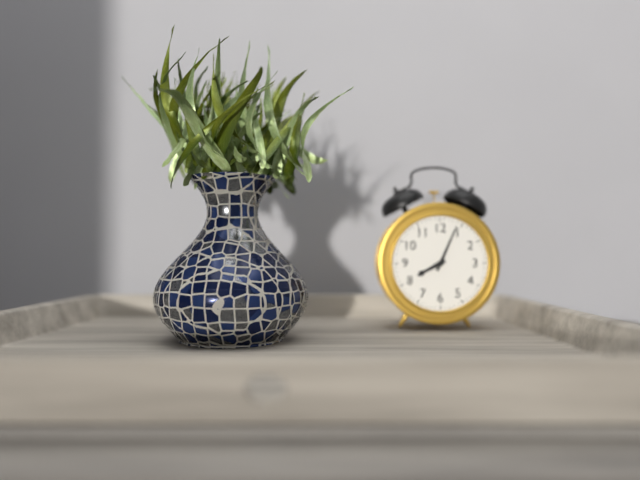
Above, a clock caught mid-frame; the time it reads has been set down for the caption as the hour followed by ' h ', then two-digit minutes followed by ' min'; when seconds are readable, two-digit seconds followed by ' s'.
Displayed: 8 h 04 min
